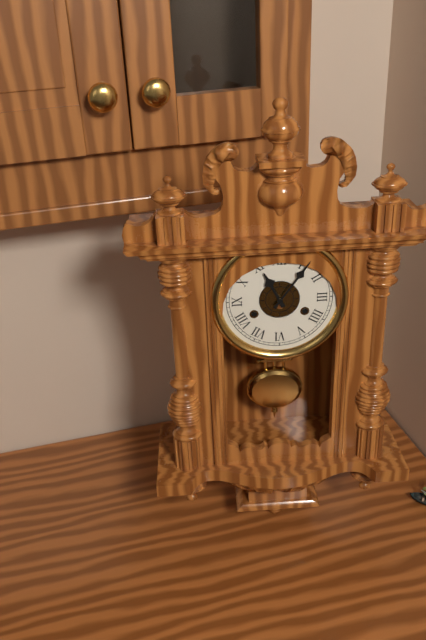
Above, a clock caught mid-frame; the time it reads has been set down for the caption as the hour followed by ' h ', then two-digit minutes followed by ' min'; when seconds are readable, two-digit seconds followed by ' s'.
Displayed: 11 h 06 min
